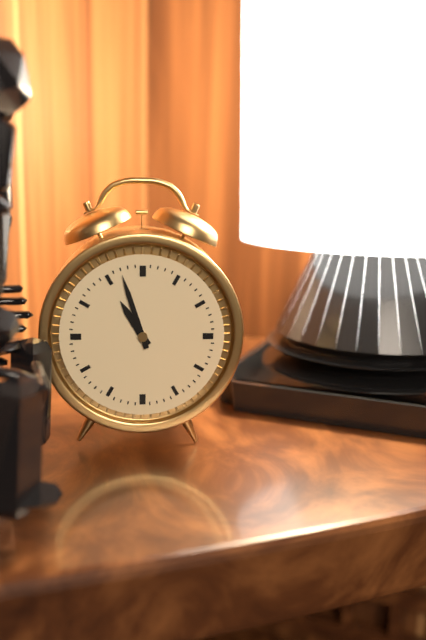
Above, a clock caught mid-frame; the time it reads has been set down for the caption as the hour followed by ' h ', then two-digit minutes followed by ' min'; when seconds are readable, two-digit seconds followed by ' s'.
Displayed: 10 h 57 min
